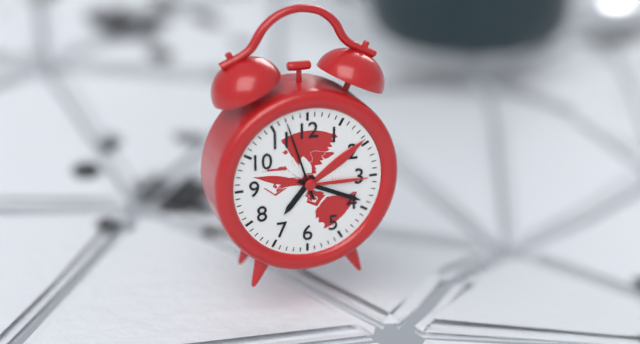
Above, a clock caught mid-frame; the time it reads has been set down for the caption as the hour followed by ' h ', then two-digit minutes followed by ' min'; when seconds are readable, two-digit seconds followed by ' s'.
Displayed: 7 h 19 min 57 s
